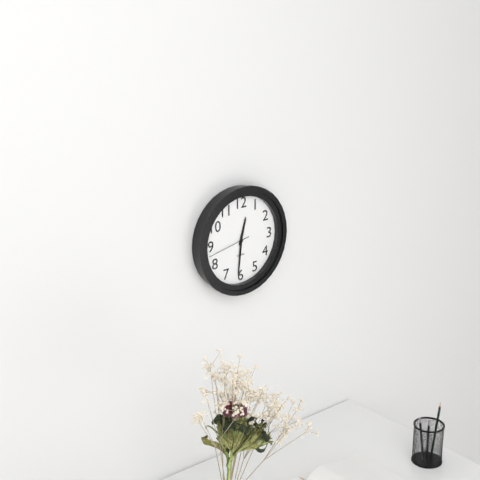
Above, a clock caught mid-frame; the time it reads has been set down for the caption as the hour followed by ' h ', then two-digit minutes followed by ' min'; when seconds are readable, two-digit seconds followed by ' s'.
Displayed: 12 h 31 min
